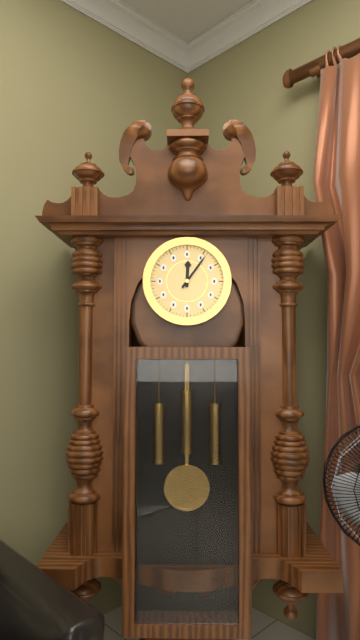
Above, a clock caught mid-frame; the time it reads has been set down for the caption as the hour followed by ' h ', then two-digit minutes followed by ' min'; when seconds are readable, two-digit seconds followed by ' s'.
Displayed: 12 h 06 min
